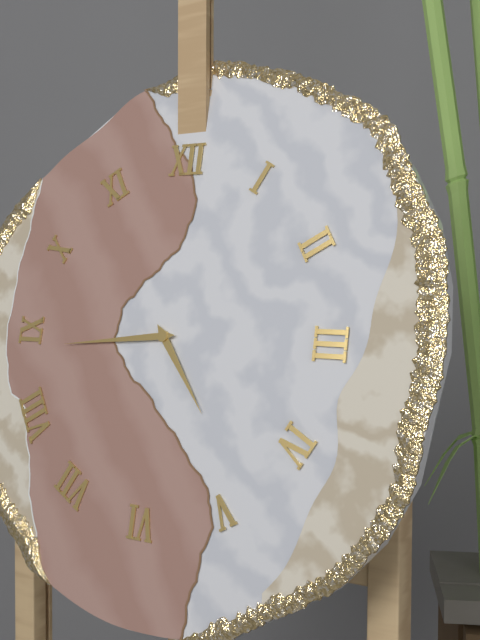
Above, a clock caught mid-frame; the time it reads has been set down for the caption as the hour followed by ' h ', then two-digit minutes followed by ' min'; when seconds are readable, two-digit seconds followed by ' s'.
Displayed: 4 h 44 min
